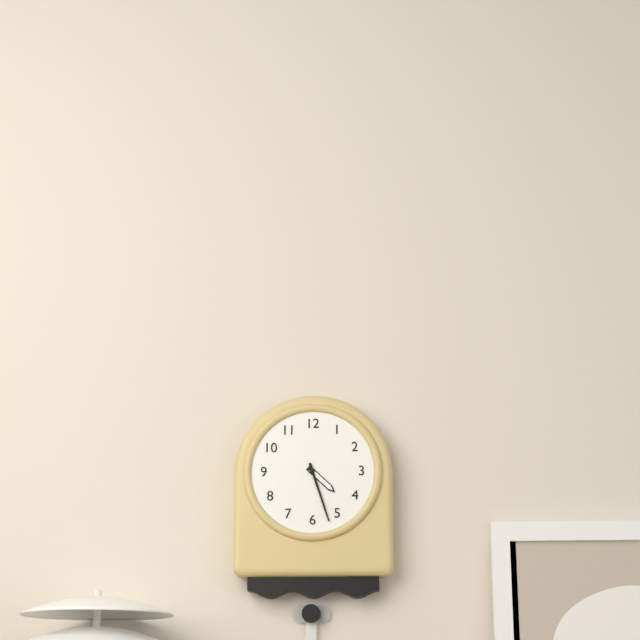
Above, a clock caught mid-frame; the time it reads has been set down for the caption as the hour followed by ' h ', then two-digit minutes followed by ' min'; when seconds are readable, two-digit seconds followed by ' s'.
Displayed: 4 h 27 min
